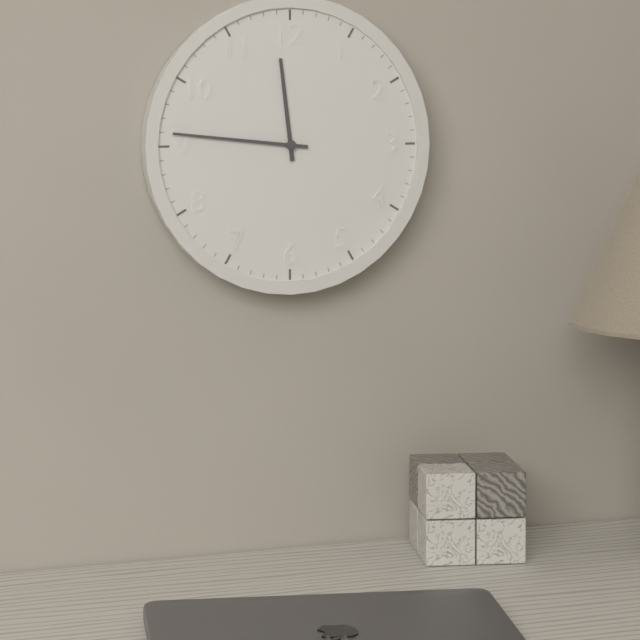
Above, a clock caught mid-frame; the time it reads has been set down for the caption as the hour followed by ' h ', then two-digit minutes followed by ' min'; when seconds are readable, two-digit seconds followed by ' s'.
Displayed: 11 h 46 min
